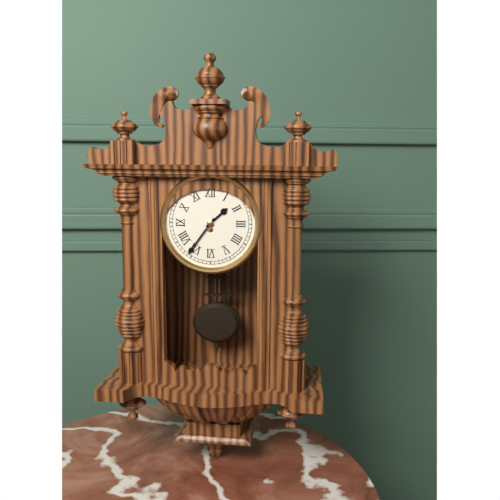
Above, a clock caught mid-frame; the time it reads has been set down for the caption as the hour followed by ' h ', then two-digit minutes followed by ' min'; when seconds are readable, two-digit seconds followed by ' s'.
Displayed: 1 h 36 min
